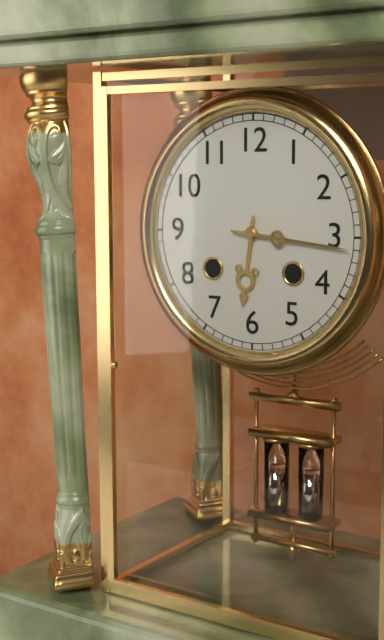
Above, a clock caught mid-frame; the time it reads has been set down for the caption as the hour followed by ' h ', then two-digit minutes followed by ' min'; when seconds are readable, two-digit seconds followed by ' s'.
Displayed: 6 h 16 min
